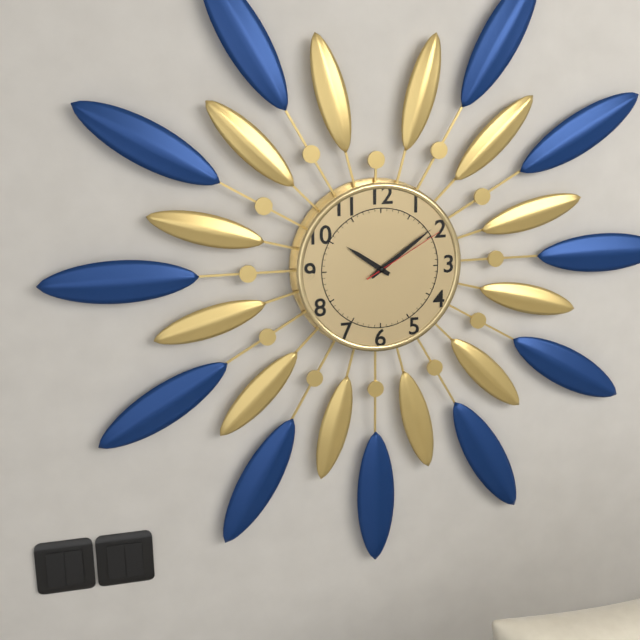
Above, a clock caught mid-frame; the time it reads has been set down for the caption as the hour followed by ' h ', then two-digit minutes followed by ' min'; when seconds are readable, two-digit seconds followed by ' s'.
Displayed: 10 h 09 min 10 s
